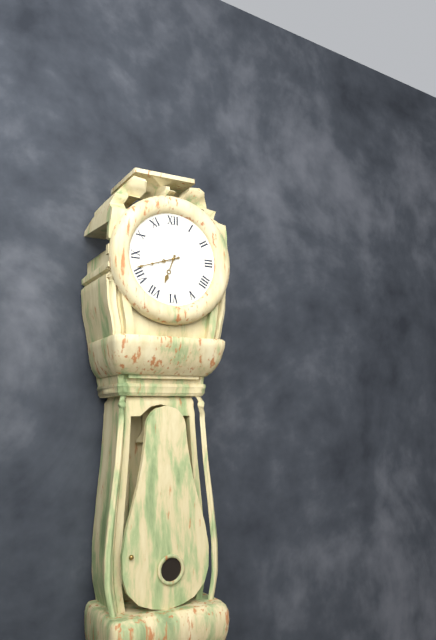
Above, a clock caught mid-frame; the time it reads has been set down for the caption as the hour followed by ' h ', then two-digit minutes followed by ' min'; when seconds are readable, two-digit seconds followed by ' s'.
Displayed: 6 h 42 min
